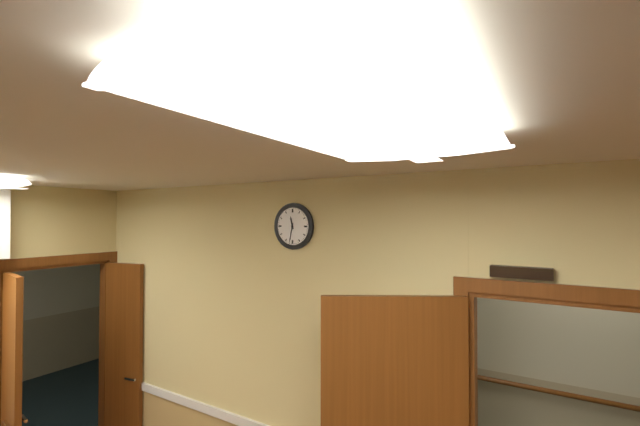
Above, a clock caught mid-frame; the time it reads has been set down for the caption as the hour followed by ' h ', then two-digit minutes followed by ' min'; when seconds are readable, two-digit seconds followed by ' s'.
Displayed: 11 h 32 min
